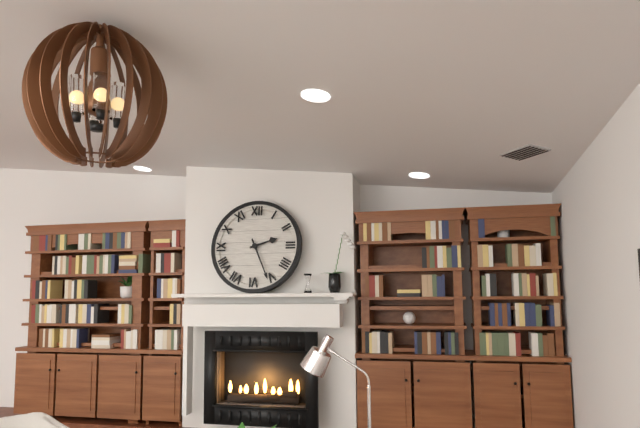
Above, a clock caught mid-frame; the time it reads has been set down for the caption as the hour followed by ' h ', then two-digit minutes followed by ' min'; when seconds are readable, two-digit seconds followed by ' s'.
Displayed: 2 h 26 min
